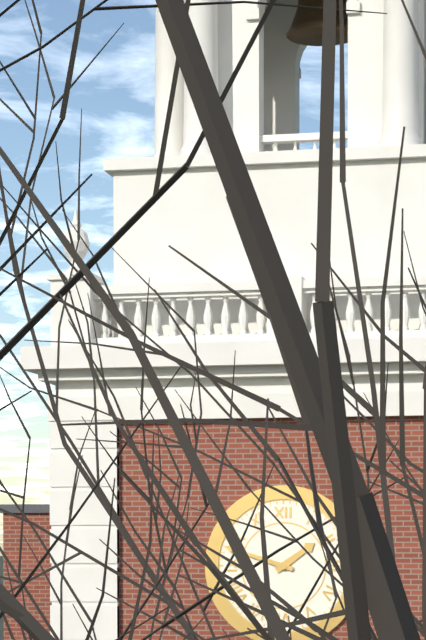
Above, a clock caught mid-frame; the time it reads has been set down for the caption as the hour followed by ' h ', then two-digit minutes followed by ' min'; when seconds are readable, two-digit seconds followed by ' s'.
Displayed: 1 h 48 min
